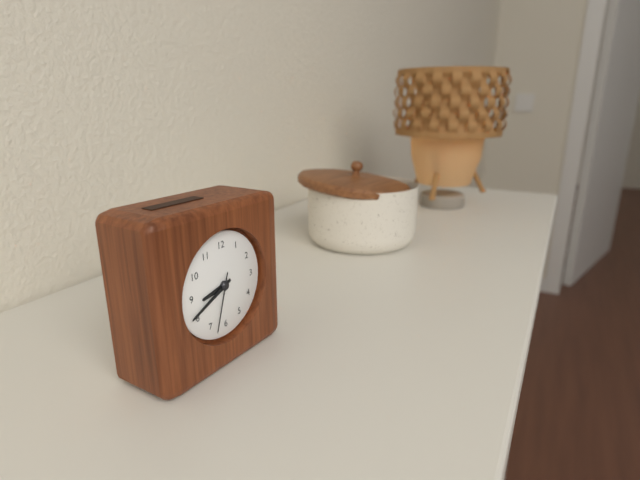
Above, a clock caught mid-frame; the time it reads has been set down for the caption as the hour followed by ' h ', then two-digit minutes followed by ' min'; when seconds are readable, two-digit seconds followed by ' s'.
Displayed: 8 h 41 min 33 s
